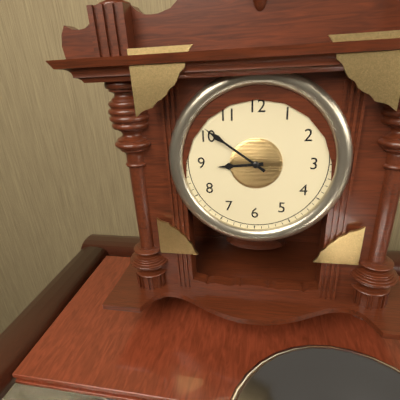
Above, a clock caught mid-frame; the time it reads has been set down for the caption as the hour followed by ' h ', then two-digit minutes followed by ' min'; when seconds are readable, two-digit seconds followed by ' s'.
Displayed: 8 h 51 min
